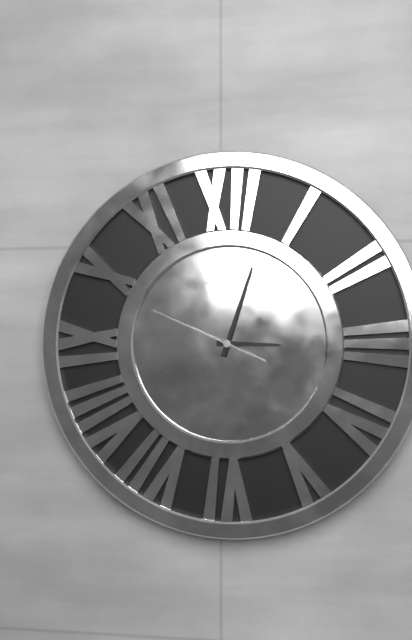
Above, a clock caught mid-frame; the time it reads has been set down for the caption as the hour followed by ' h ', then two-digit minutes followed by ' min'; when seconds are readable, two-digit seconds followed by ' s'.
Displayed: 3 h 03 min 49 s
